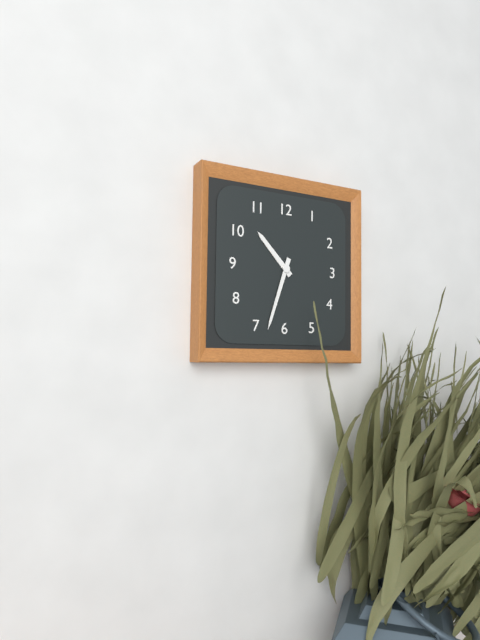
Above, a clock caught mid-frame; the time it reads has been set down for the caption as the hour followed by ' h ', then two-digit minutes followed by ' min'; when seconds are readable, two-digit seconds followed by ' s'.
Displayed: 10 h 33 min
